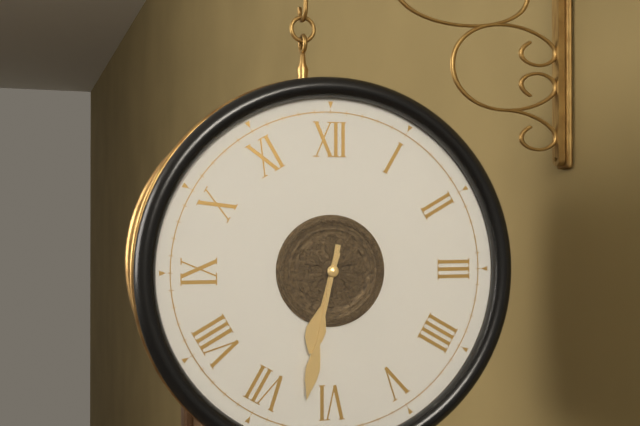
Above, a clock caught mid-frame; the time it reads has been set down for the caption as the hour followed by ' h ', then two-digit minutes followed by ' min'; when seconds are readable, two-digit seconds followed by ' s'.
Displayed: 6 h 32 min
